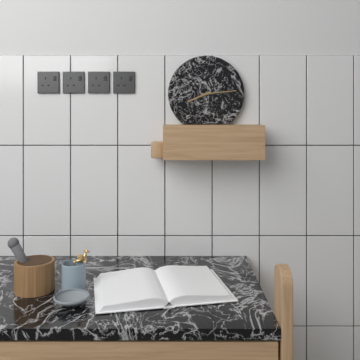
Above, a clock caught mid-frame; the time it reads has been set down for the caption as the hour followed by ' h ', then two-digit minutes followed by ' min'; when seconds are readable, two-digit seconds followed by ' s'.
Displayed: 8 h 14 min
